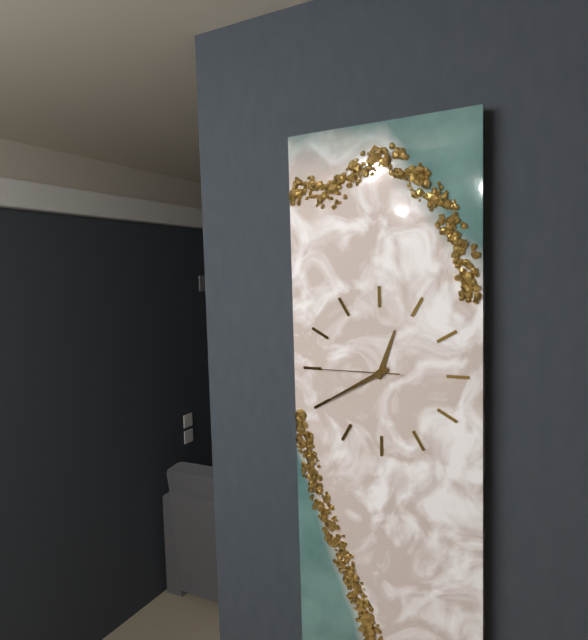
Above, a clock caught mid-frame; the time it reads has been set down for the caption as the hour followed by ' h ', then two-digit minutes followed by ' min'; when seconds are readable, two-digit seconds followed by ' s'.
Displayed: 12 h 40 min 45 s
